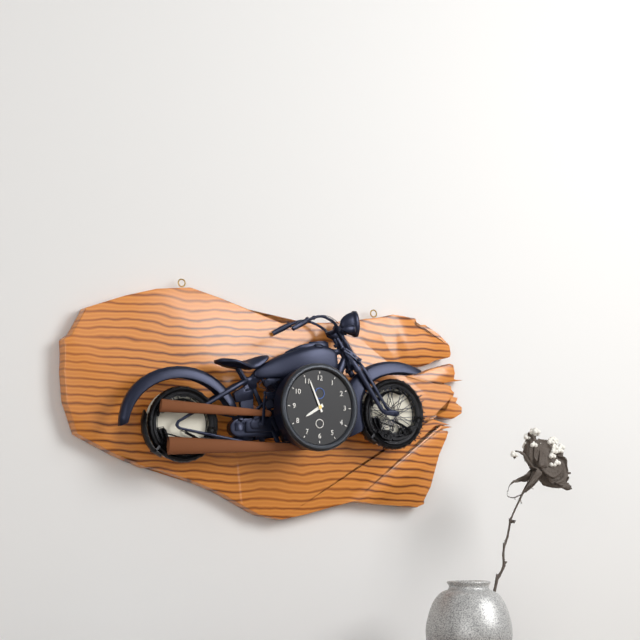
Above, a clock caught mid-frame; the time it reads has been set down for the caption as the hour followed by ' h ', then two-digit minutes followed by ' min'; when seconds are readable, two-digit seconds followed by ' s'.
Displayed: 7 h 56 min
